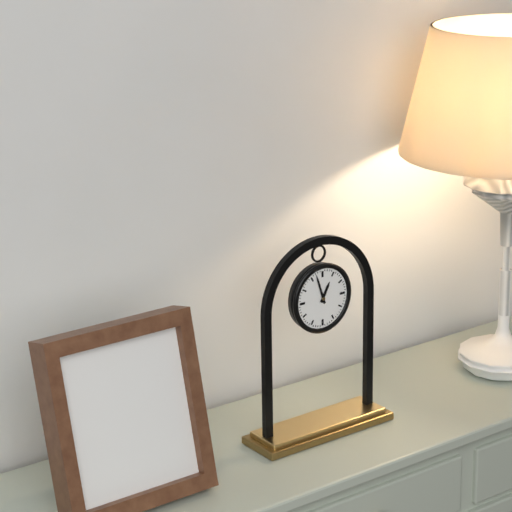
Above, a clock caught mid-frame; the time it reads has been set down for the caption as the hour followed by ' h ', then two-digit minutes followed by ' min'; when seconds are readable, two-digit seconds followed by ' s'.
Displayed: 12 h 57 min
